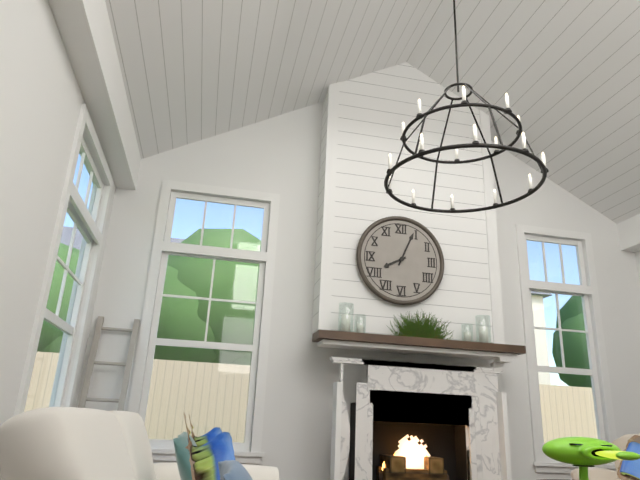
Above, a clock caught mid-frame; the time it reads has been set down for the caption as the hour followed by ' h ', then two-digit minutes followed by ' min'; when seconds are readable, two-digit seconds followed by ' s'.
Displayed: 8 h 04 min
